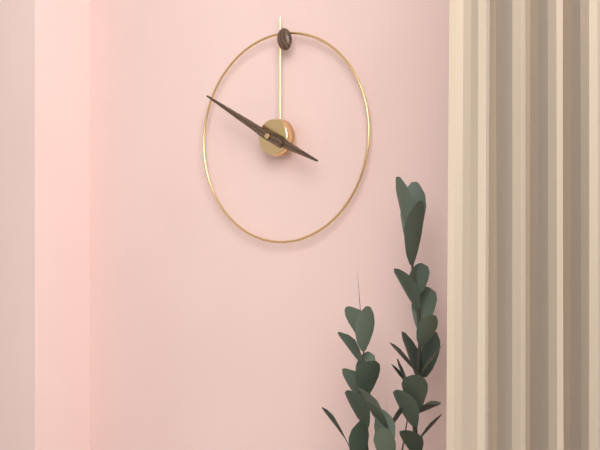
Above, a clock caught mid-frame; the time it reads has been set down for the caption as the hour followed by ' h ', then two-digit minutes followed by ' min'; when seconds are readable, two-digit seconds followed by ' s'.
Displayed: 3 h 50 min
